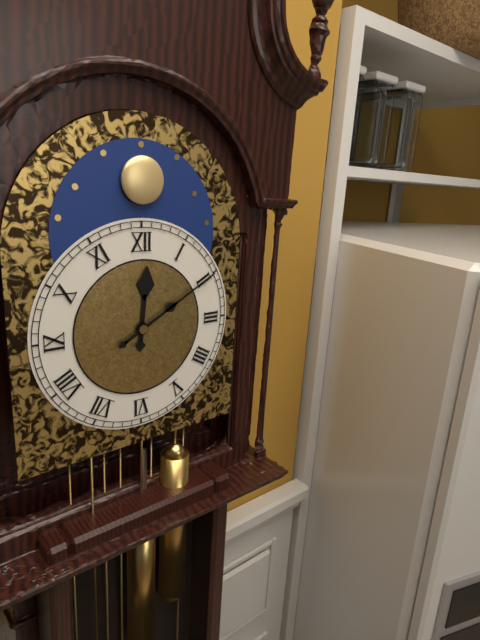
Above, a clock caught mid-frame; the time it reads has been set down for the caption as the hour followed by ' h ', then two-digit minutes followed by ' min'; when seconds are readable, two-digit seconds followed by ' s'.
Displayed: 12 h 10 min
